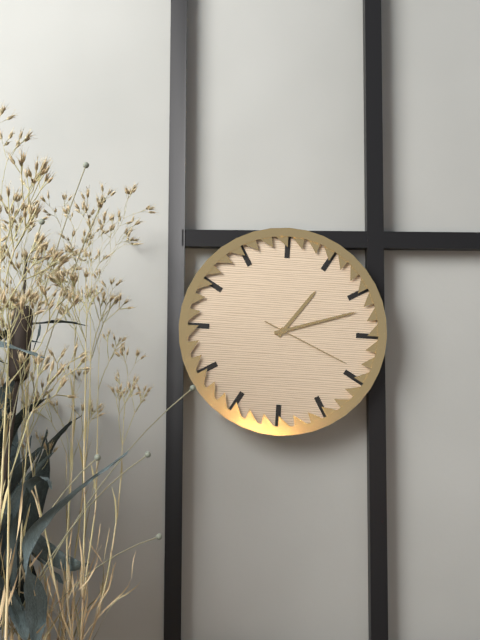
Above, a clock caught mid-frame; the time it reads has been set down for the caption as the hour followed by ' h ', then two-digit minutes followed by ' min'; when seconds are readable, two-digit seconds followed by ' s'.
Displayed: 1 h 12 min 19 s
